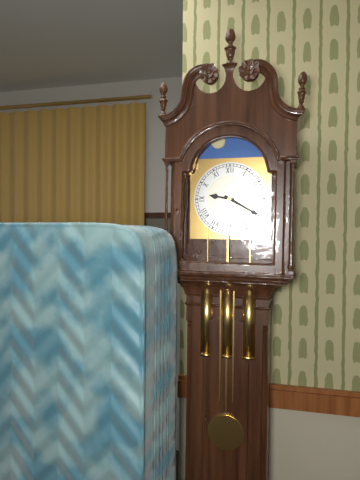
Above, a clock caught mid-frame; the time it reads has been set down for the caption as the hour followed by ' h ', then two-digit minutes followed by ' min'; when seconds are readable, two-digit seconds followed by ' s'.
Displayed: 9 h 20 min
